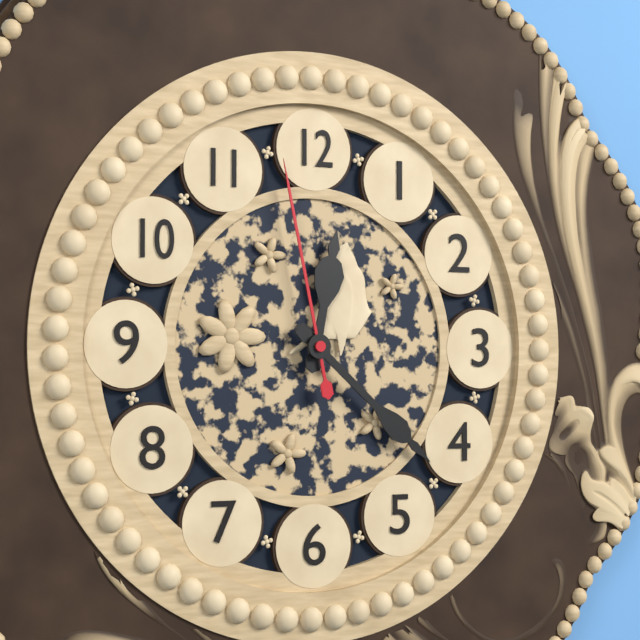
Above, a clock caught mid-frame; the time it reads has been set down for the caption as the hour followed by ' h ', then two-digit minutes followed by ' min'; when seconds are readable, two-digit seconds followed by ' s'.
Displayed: 12 h 22 min 58 s
